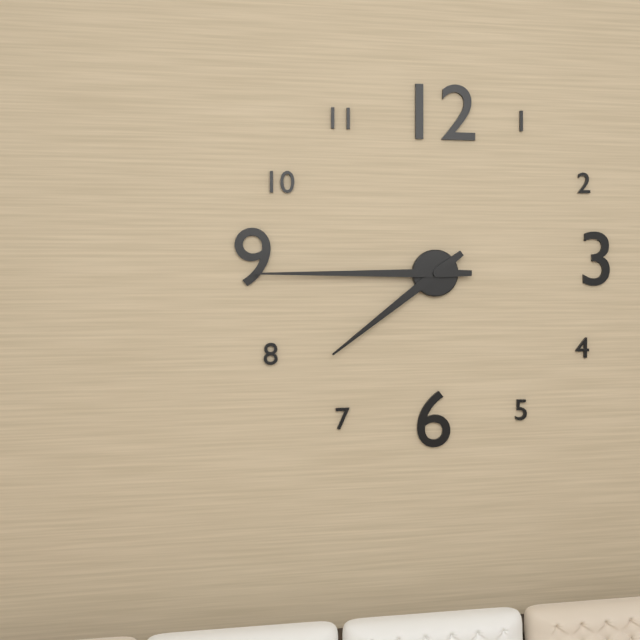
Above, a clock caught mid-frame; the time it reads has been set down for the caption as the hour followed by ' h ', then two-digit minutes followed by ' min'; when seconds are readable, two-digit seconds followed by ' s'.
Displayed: 7 h 45 min
